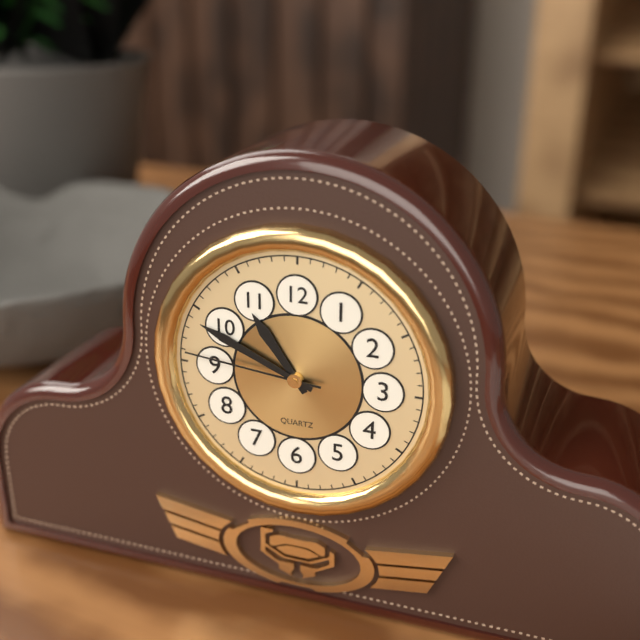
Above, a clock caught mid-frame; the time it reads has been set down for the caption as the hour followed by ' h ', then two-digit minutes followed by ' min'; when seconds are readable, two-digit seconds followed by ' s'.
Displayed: 10 h 49 min 46 s
